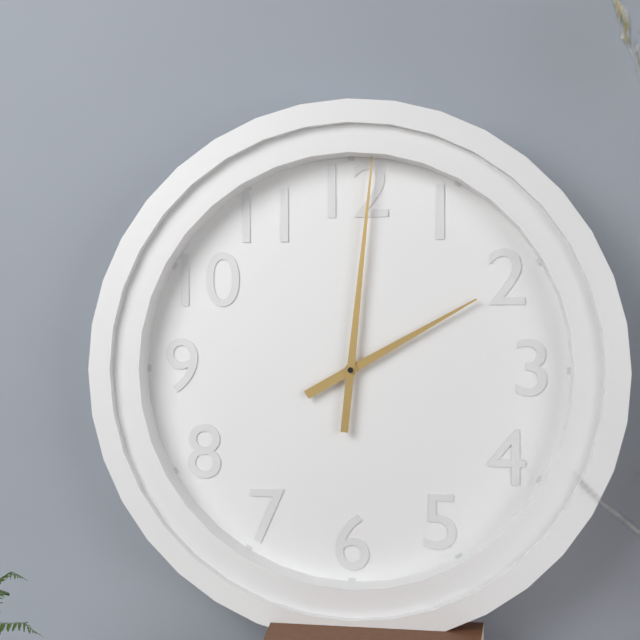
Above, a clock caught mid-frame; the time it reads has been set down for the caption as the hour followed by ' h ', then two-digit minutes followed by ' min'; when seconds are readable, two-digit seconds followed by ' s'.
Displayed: 2 h 01 min
